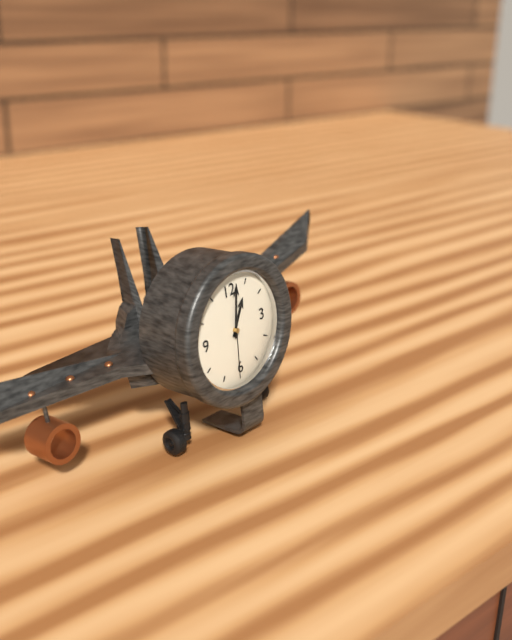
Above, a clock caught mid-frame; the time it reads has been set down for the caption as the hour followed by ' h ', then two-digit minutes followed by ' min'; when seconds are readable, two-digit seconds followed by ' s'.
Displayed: 1 h 02 min 31 s
